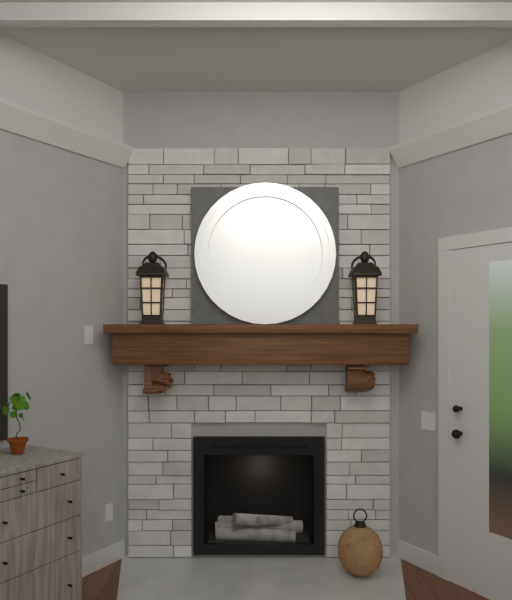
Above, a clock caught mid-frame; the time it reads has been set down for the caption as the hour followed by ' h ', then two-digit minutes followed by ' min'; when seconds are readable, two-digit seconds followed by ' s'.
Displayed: 6 h 37 min
